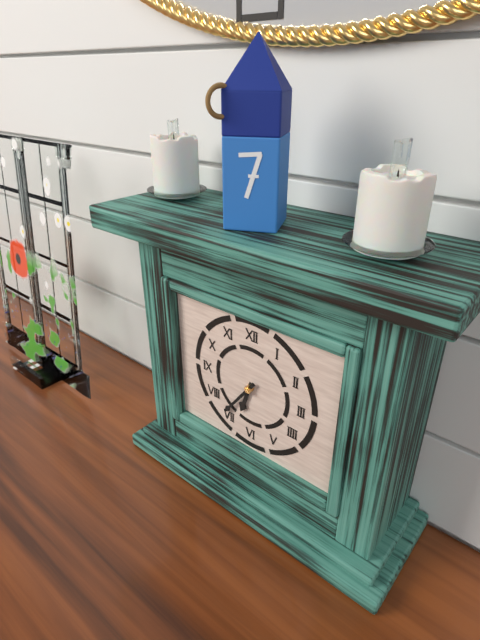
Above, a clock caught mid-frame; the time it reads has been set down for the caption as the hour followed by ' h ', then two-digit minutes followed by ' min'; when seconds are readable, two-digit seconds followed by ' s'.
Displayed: 6 h 36 min
